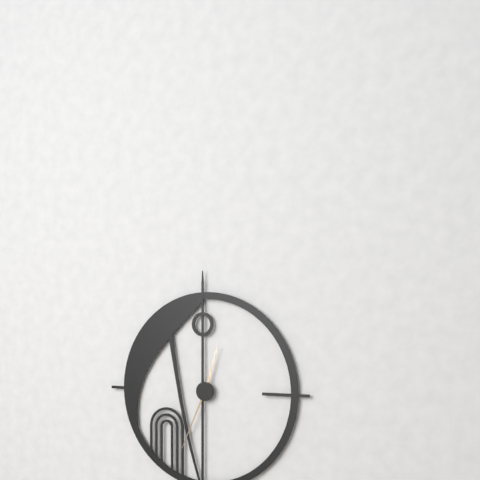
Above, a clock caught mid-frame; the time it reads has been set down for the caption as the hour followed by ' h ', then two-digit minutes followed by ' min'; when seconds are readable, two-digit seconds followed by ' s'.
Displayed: 12 h 34 min
